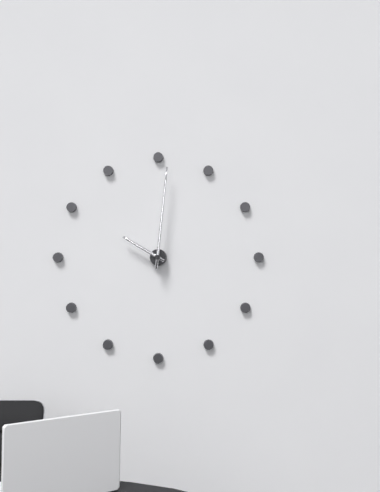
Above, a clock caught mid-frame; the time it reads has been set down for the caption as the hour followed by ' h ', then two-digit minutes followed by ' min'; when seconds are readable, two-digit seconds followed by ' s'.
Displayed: 10 h 01 min
